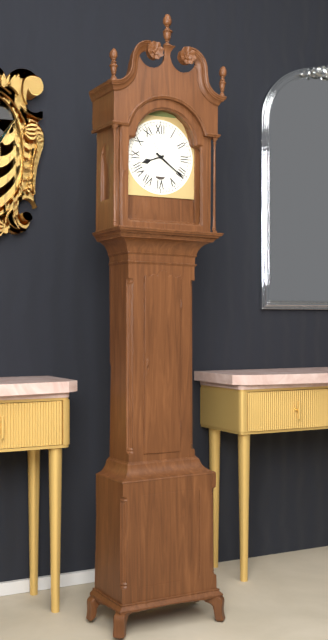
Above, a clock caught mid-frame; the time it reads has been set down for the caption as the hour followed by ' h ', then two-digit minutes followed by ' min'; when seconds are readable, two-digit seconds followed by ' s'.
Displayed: 8 h 21 min
